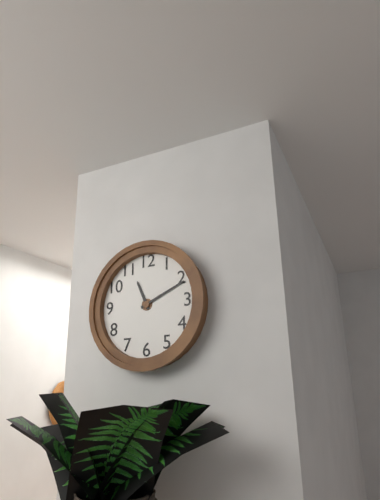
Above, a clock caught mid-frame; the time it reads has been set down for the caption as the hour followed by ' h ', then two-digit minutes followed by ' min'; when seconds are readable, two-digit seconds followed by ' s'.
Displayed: 11 h 11 min
